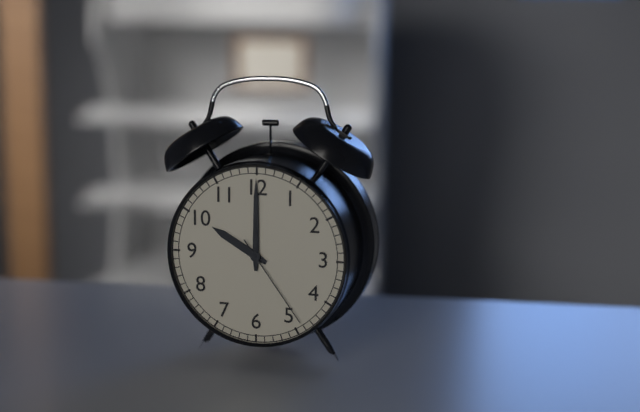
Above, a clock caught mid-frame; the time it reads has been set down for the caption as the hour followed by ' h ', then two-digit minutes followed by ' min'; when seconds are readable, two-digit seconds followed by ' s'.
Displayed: 10 h 00 min 24 s
